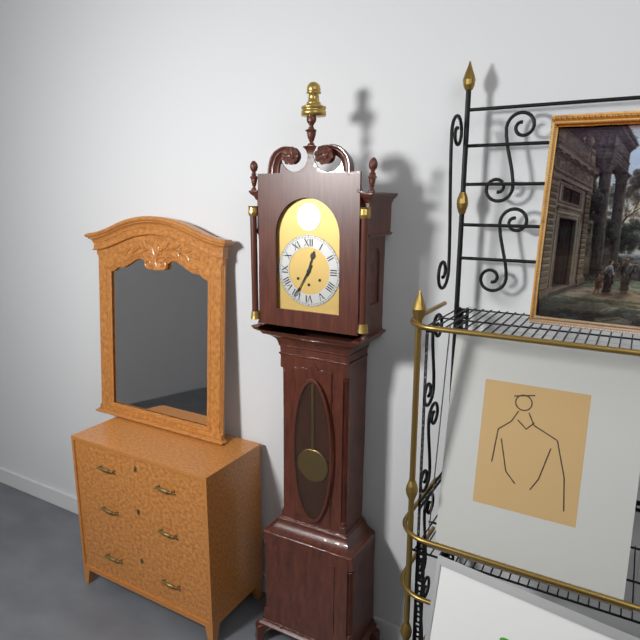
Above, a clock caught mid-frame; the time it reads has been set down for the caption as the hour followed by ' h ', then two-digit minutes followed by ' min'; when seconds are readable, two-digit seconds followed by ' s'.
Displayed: 12 h 35 min
